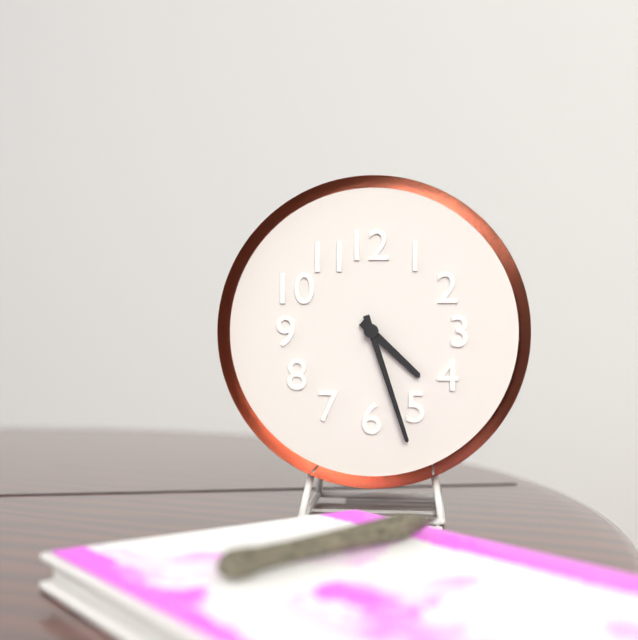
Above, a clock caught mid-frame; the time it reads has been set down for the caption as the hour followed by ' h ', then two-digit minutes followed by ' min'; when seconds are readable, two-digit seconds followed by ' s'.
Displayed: 4 h 27 min
